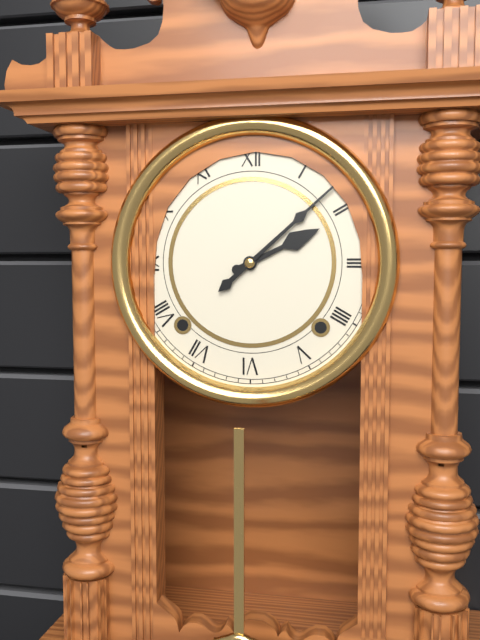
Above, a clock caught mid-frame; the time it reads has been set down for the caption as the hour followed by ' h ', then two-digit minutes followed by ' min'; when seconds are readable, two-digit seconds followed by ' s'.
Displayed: 2 h 08 min
